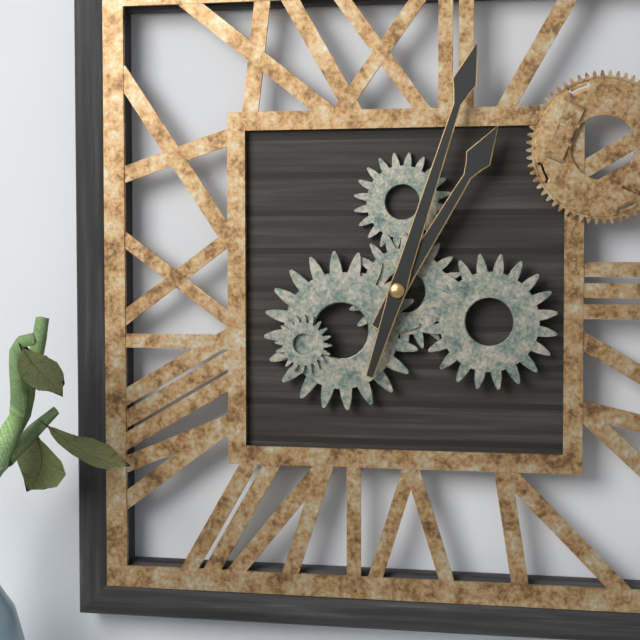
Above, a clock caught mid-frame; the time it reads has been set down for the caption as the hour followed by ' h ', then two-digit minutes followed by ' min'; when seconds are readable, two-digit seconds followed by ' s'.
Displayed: 1 h 03 min
